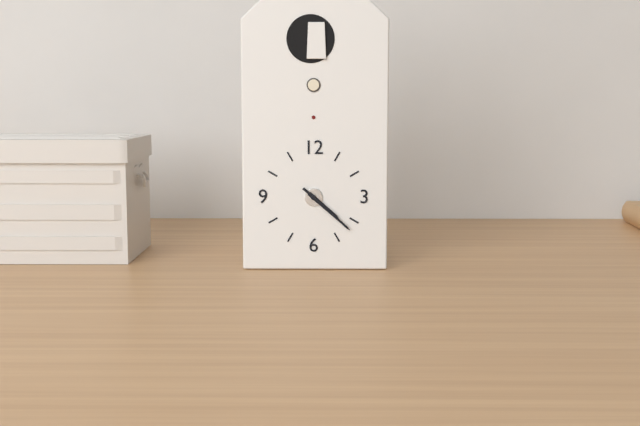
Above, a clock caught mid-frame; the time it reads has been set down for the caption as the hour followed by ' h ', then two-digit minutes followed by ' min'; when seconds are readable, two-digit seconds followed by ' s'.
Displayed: 4 h 22 min
